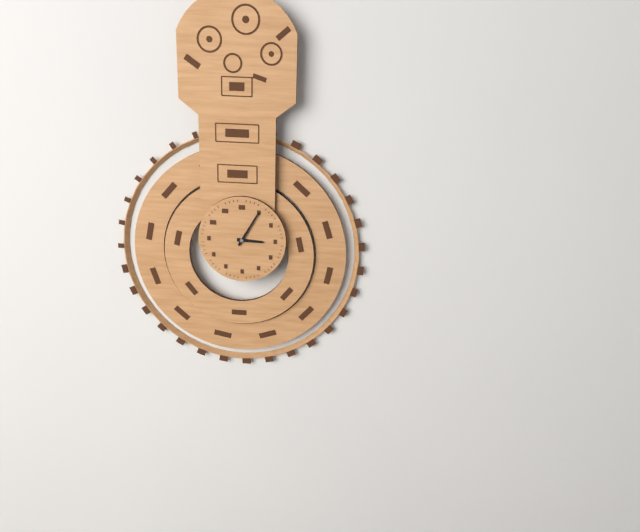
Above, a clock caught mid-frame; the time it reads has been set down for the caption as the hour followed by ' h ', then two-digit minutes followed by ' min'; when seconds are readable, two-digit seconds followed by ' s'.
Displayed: 3 h 05 min
